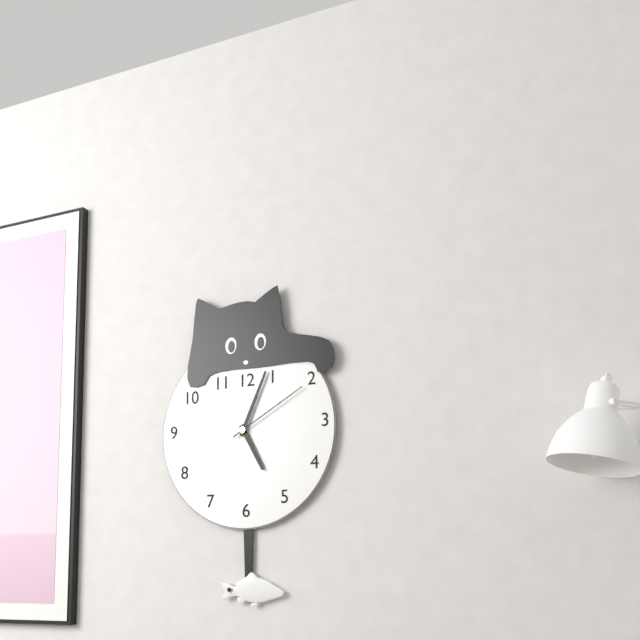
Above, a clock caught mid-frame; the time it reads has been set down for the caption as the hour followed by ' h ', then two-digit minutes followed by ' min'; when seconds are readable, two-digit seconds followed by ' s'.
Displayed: 5 h 04 min 10 s
